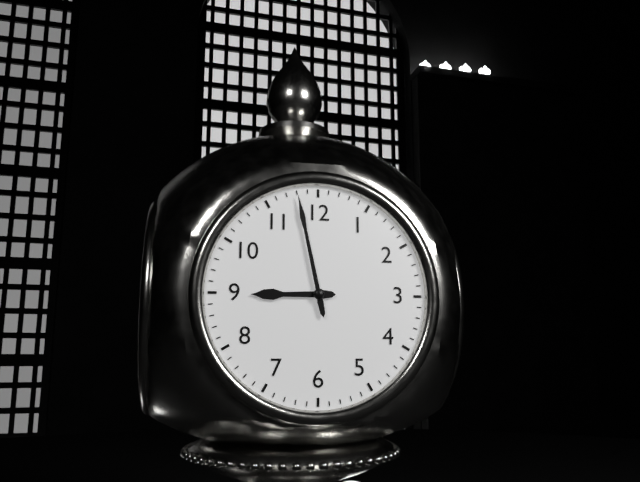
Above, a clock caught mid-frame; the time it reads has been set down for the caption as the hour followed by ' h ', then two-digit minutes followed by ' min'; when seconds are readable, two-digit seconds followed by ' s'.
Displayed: 8 h 58 min
